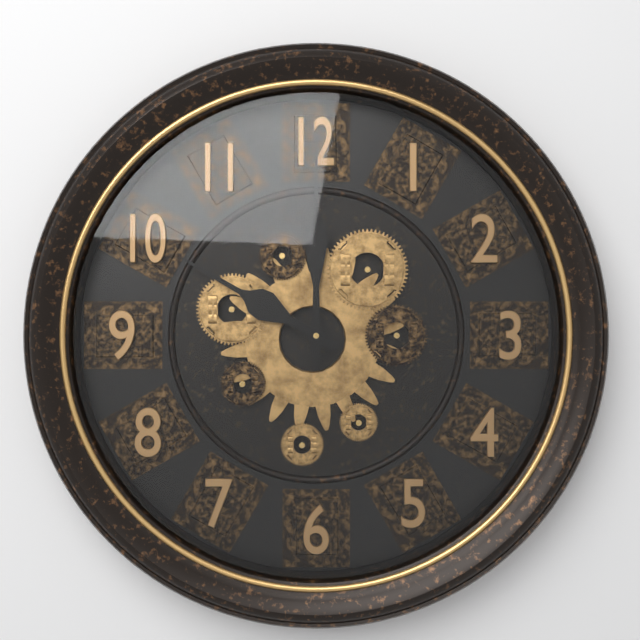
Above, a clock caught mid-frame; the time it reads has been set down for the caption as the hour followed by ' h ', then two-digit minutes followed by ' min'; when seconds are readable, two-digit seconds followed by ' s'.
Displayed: 10 h 00 min
